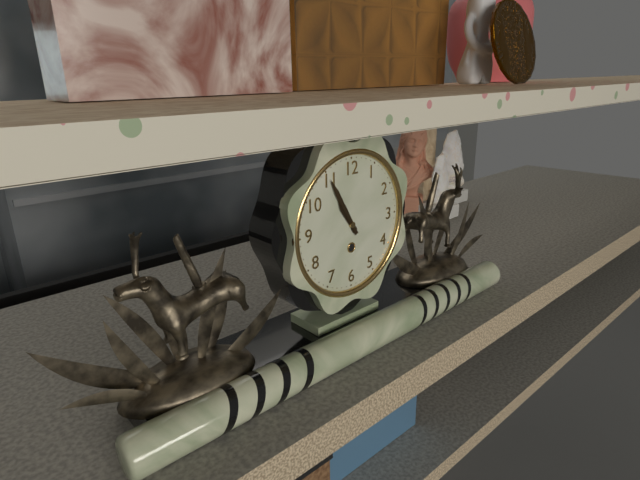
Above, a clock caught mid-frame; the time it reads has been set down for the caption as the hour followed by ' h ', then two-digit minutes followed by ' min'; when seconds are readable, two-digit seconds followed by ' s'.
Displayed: 10 h 55 min
